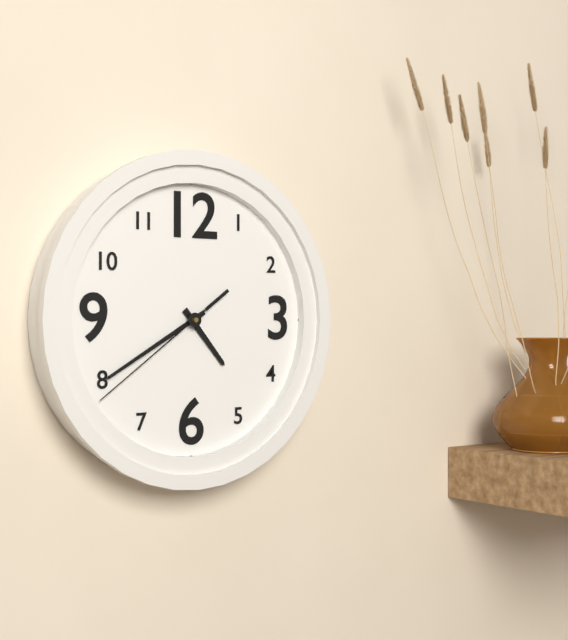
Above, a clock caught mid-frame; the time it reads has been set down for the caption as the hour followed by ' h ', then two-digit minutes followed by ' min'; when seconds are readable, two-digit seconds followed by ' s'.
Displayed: 4 h 40 min 39 s
